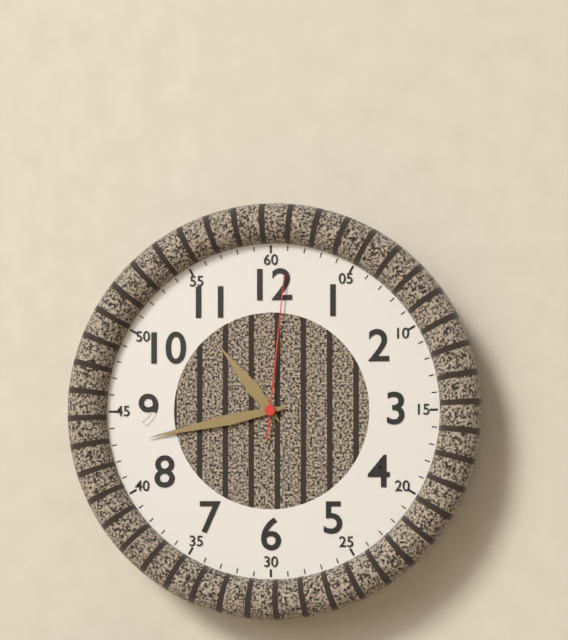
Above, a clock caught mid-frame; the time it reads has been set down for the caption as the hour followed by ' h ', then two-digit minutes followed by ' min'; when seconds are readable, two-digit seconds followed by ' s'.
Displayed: 10 h 43 min 01 s
